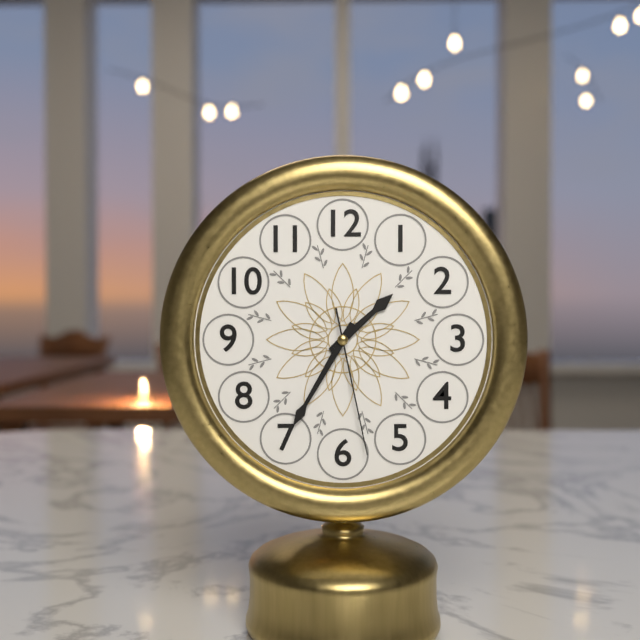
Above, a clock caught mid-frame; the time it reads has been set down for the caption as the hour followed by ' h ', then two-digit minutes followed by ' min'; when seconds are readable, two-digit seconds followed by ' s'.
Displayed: 1 h 35 min 28 s
